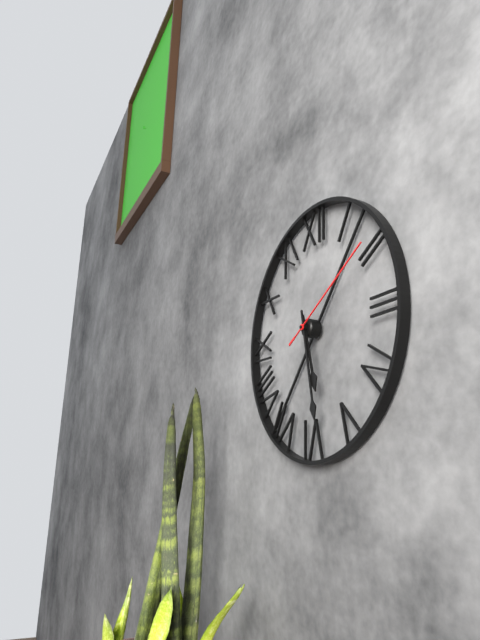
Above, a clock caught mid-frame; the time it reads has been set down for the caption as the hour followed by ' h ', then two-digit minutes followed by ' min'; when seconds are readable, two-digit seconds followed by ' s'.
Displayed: 5 h 28 min 10 s
